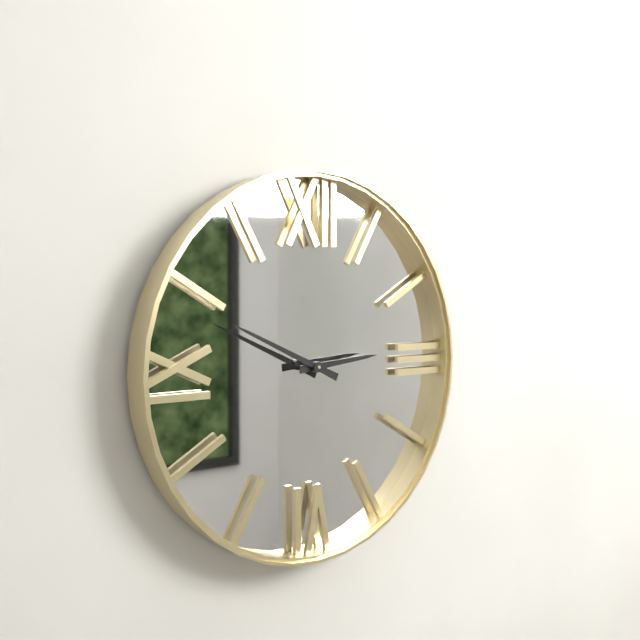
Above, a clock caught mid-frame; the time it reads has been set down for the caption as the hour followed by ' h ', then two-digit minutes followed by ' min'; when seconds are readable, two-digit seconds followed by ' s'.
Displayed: 2 h 49 min
